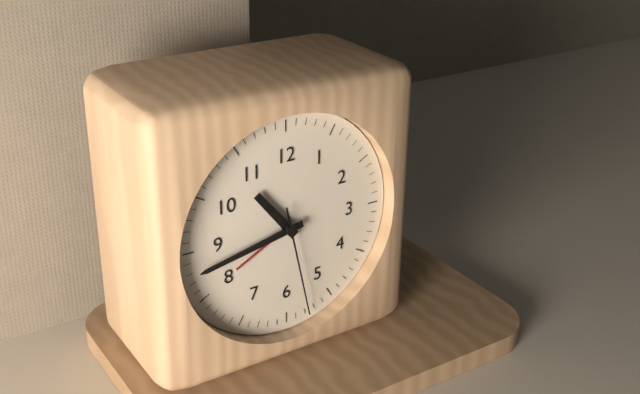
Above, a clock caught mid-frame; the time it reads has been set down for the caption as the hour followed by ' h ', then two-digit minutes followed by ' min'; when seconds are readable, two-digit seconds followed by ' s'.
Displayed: 10 h 43 min 28 s
